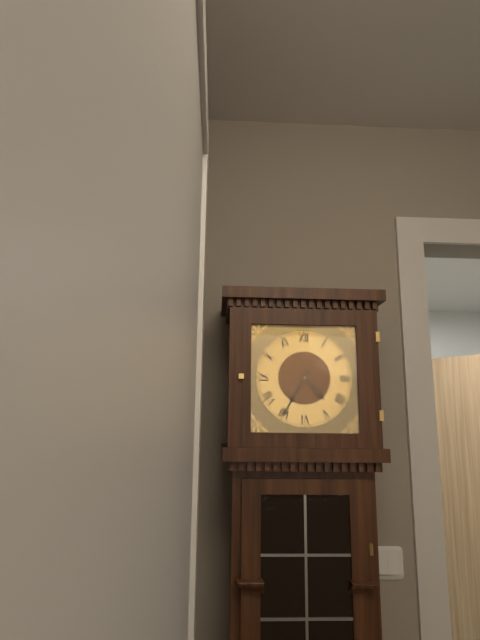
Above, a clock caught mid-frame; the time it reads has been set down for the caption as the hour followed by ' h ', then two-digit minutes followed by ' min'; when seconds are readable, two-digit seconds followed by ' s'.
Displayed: 4 h 35 min
